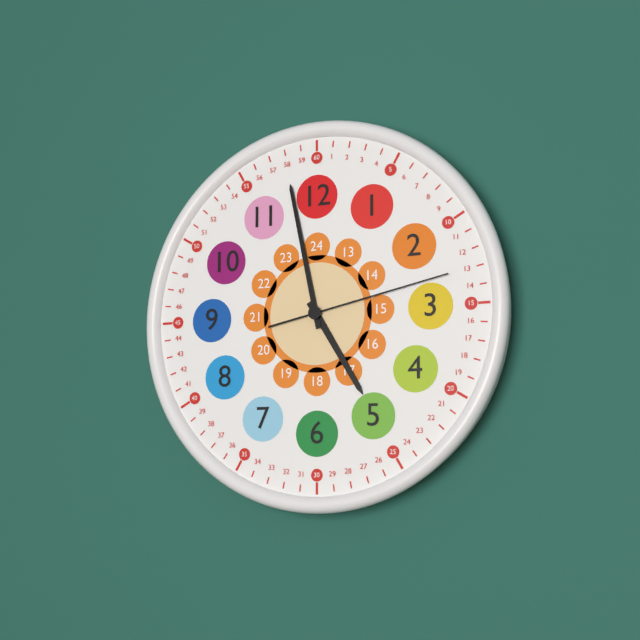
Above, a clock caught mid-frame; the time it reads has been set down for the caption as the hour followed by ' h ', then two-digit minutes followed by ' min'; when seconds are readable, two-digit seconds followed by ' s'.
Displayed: 4 h 58 min 13 s
